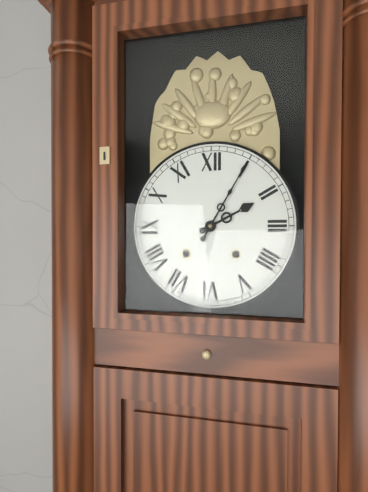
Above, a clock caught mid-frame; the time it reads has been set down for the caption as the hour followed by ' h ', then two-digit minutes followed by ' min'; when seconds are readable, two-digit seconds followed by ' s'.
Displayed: 2 h 05 min
